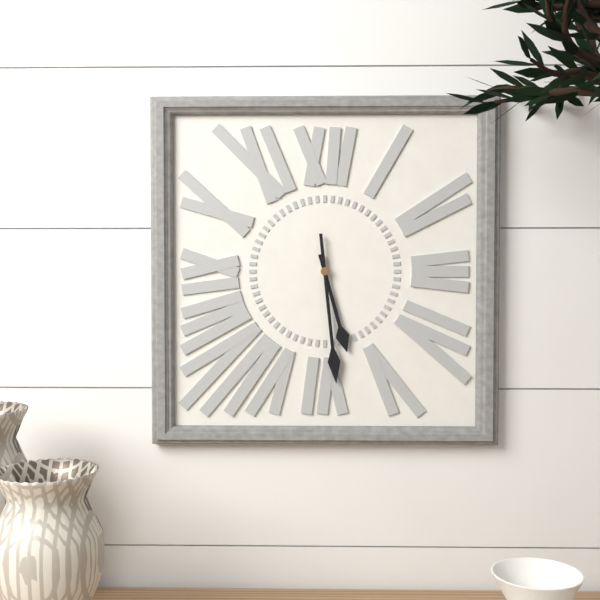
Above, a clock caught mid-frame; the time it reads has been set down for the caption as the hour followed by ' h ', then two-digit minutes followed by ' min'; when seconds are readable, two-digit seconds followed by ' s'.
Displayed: 5 h 29 min
